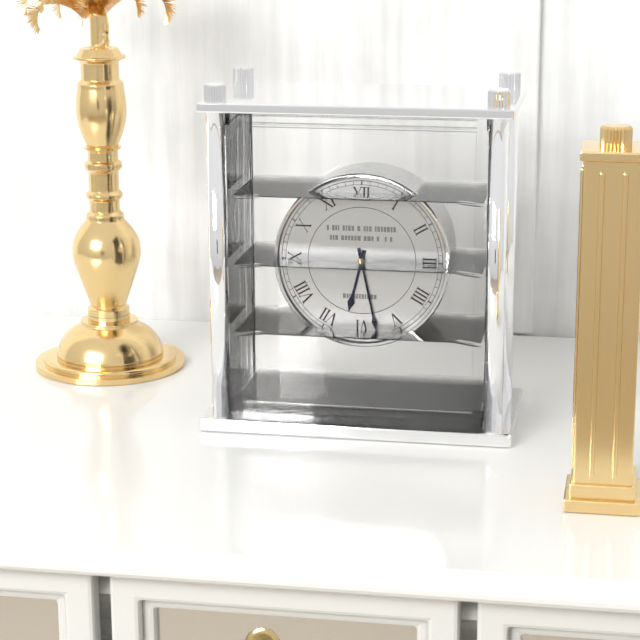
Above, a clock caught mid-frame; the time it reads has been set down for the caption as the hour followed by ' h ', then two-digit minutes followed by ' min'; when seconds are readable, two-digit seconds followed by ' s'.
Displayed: 6 h 28 min
